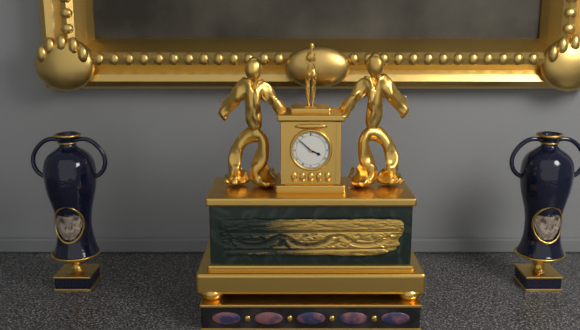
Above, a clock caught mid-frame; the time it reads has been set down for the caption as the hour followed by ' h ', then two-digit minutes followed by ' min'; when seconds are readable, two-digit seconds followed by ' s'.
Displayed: 3 h 52 min
